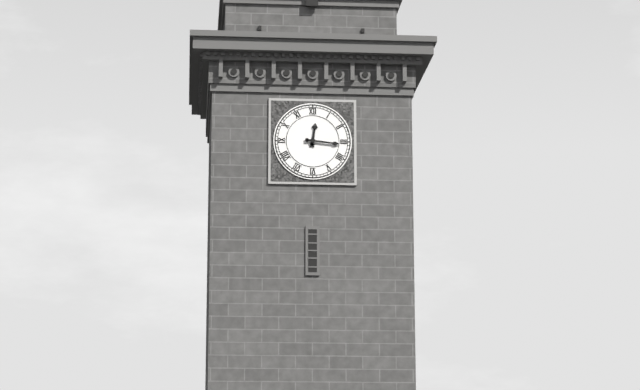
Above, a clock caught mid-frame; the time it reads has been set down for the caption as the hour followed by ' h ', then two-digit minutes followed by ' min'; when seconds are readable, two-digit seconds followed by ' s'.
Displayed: 12 h 16 min
